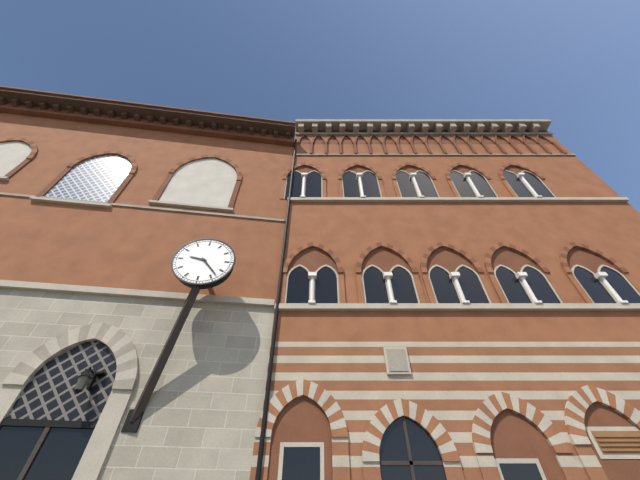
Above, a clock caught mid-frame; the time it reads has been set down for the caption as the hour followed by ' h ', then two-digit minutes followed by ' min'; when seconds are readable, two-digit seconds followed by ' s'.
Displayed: 9 h 23 min
